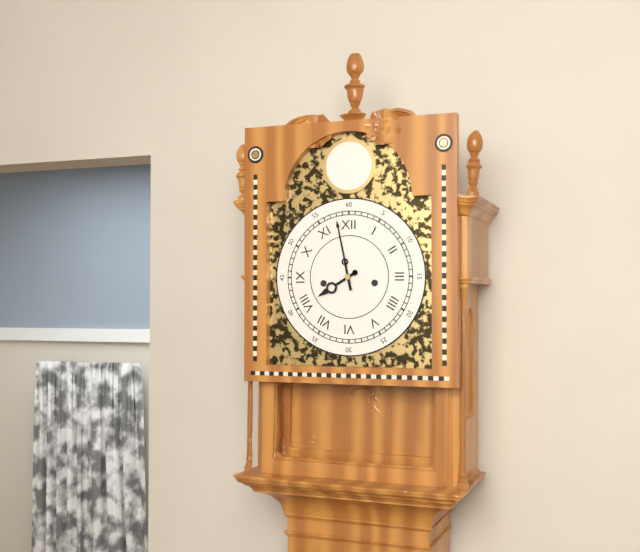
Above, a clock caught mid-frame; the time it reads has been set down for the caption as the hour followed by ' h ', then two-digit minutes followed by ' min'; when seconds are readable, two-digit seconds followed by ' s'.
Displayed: 7 h 58 min
